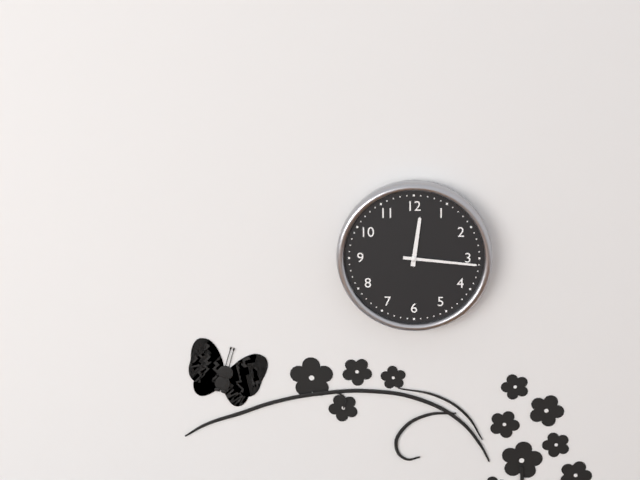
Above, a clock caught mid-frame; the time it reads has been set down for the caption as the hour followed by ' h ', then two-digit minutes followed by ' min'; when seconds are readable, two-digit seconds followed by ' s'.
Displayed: 12 h 16 min
